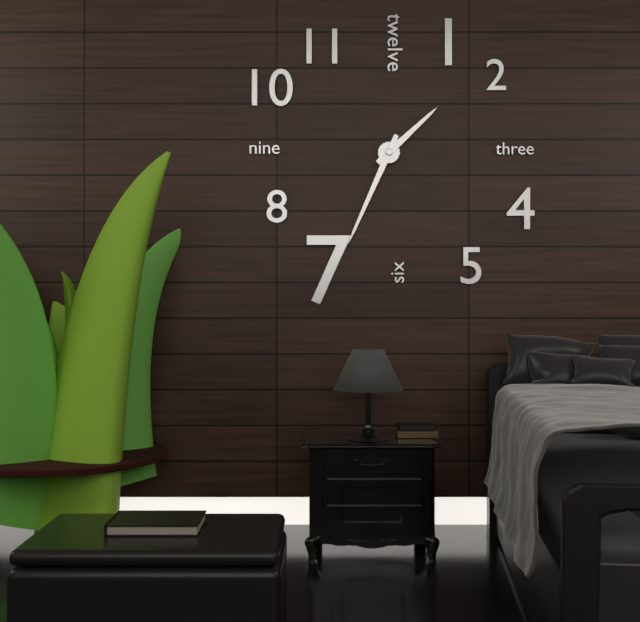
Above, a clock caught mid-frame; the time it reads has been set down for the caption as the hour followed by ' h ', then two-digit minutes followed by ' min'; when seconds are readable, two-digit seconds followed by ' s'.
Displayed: 1 h 34 min
